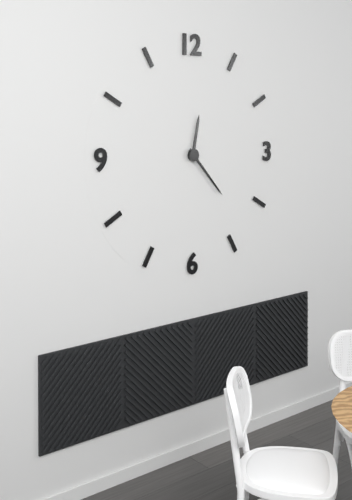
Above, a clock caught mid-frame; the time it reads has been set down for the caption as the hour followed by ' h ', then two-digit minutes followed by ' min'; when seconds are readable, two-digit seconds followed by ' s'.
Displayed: 12 h 23 min
